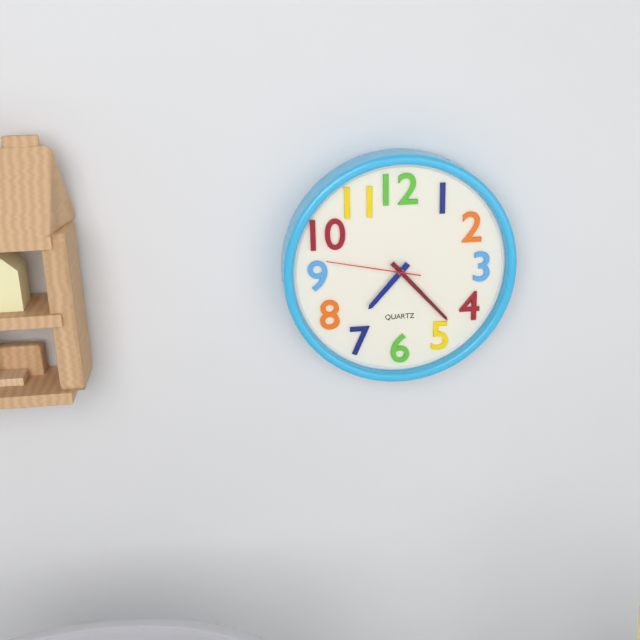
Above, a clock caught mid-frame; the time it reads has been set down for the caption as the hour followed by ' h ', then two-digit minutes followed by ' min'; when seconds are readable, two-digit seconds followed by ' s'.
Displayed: 7 h 23 min 47 s
